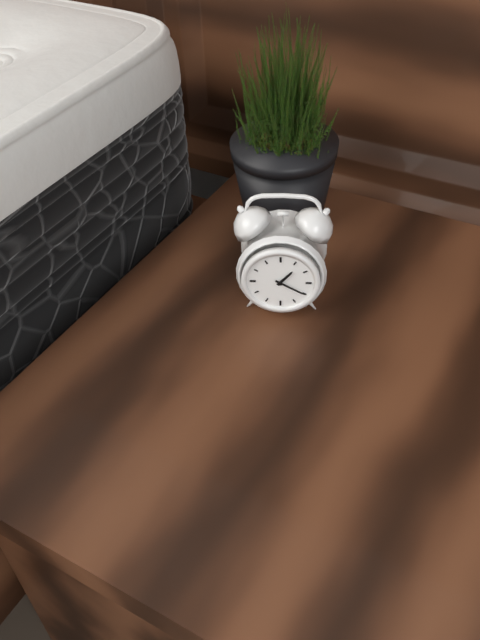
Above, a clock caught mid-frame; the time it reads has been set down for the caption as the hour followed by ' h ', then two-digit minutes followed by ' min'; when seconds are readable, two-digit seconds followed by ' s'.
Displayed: 1 h 20 min
